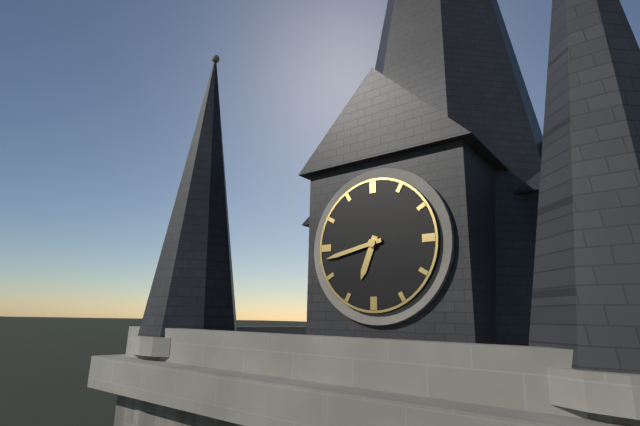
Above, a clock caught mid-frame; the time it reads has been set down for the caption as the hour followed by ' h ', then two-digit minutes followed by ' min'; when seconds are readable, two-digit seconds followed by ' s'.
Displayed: 6 h 43 min
